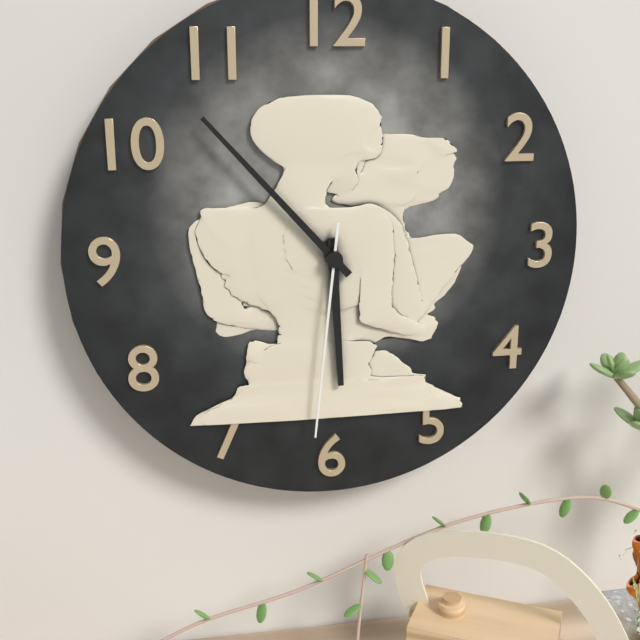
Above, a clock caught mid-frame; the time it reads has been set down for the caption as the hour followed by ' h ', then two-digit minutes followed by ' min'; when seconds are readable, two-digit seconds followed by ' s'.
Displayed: 5 h 53 min 31 s
